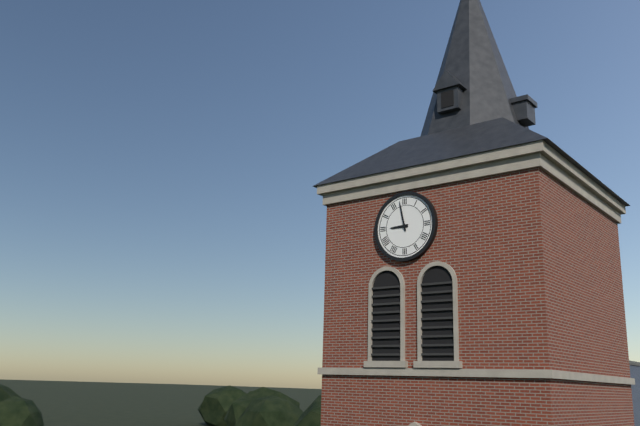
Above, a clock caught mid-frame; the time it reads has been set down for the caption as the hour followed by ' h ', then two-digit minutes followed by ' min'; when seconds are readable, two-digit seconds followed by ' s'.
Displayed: 8 h 58 min
